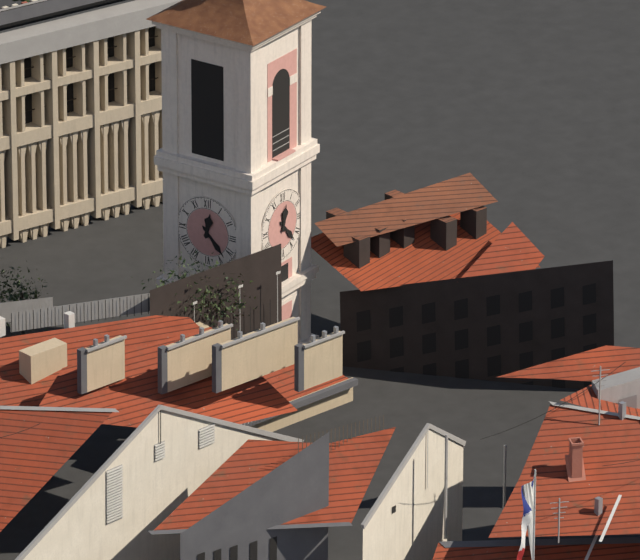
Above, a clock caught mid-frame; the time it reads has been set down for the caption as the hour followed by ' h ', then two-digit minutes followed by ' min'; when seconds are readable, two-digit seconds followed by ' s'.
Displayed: 12 h 23 min
